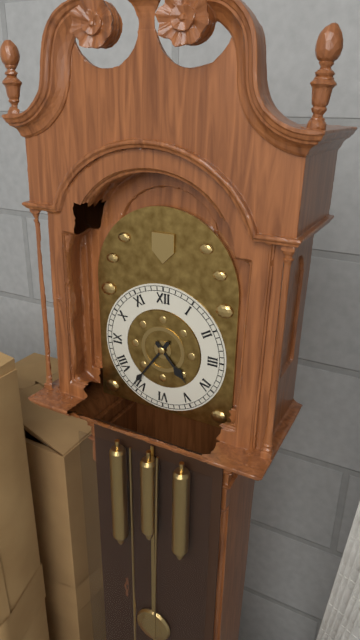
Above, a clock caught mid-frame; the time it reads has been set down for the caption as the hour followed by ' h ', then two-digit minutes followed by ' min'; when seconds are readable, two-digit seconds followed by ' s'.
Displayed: 4 h 36 min
